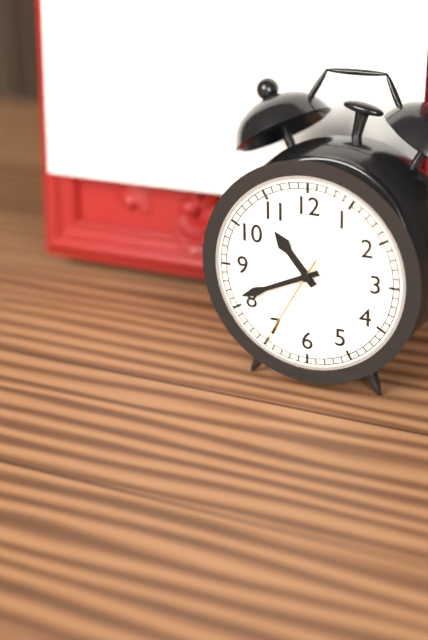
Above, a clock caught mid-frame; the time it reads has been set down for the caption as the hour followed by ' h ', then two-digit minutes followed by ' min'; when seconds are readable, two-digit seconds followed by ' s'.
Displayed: 10 h 41 min 35 s
